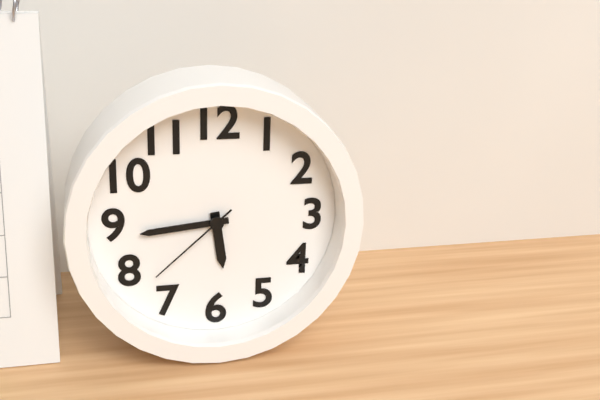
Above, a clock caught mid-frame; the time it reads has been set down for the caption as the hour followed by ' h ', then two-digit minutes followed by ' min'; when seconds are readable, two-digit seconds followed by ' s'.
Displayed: 5 h 44 min 38 s
